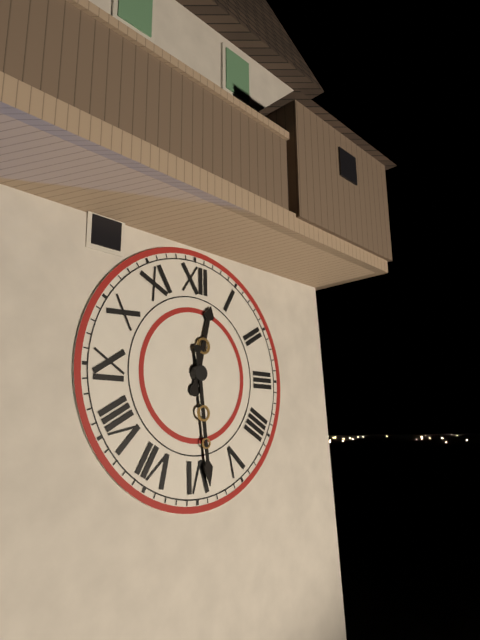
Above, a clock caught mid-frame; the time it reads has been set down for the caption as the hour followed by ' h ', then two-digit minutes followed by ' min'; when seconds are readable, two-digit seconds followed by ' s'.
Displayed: 12 h 29 min
